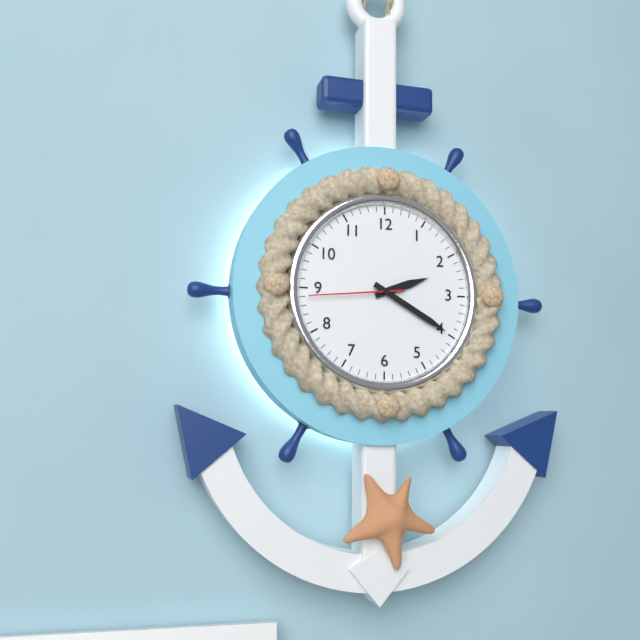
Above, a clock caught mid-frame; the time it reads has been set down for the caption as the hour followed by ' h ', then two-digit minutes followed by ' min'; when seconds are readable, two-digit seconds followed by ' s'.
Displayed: 2 h 20 min 44 s
